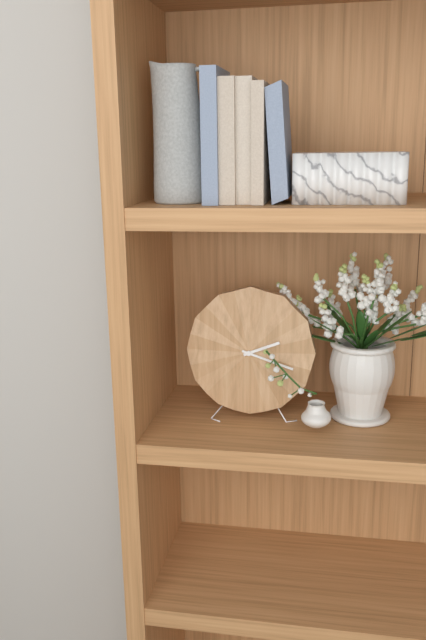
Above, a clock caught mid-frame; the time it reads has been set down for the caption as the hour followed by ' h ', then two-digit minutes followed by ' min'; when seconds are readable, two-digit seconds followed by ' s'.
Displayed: 2 h 18 min
